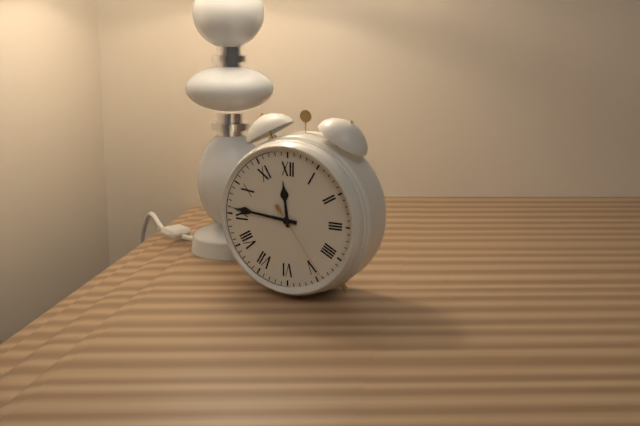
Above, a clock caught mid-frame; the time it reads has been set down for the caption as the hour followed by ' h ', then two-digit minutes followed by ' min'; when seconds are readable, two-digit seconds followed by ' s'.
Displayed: 11 h 46 min 24 s
